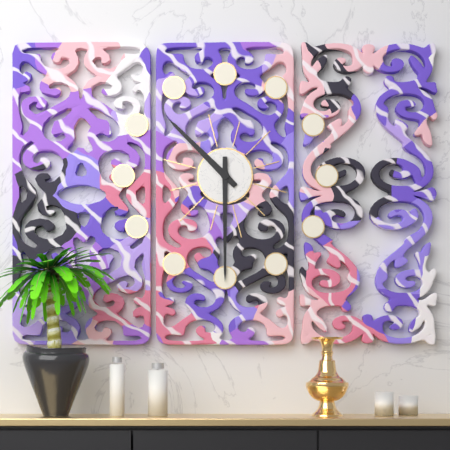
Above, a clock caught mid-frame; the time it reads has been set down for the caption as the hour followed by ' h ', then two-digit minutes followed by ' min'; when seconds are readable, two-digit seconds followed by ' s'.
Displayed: 10 h 30 min
